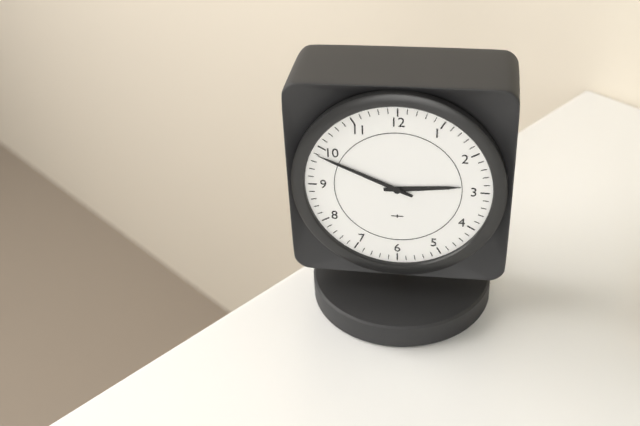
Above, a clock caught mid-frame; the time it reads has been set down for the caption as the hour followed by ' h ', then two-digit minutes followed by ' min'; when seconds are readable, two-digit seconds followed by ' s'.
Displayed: 2 h 49 min
